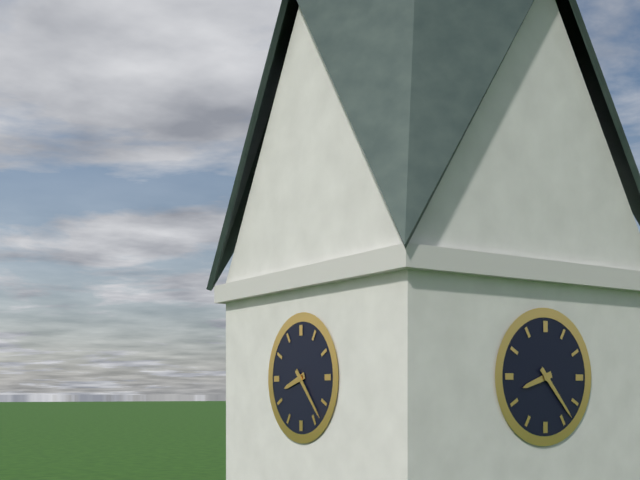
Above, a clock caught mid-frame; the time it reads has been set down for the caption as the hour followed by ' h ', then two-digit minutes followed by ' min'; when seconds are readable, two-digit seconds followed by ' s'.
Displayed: 8 h 23 min
